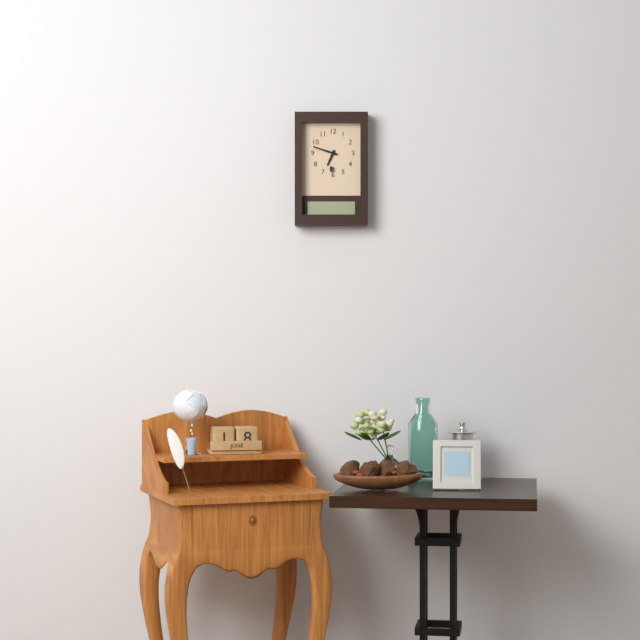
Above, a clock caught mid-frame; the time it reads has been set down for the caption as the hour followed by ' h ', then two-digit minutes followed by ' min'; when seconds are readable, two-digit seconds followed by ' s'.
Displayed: 6 h 48 min
